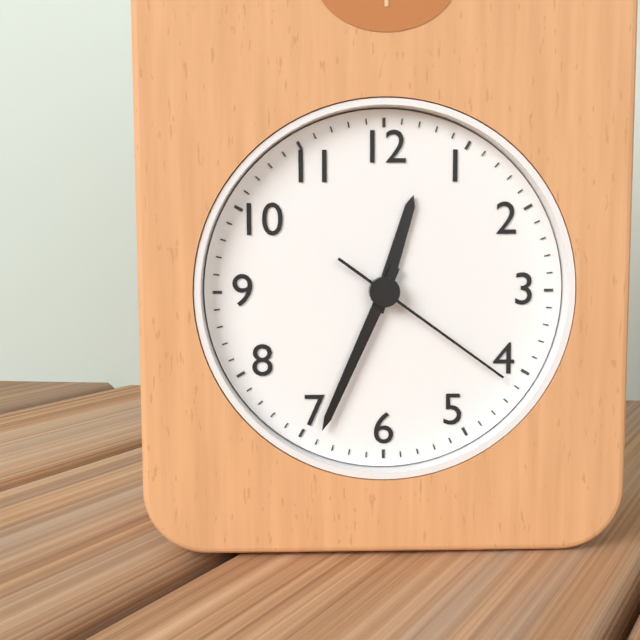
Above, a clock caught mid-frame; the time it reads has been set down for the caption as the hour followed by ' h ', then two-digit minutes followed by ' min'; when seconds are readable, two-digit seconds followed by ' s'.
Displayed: 12 h 34 min 21 s
